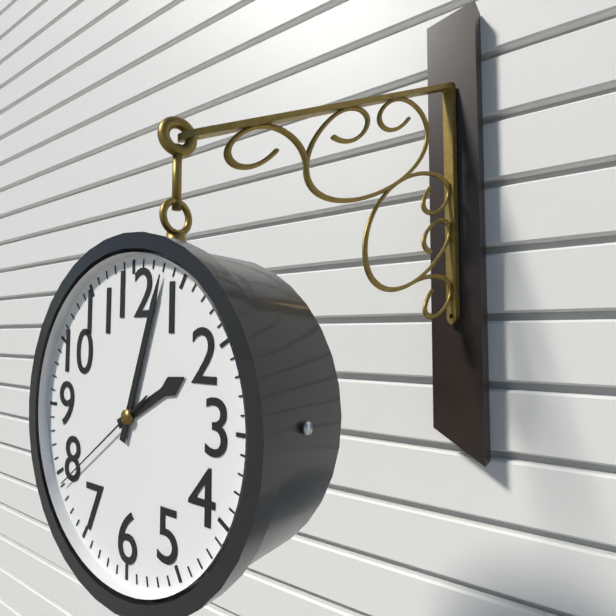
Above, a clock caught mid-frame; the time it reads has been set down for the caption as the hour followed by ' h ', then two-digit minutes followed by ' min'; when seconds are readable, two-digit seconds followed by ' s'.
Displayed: 2 h 03 min 39 s
